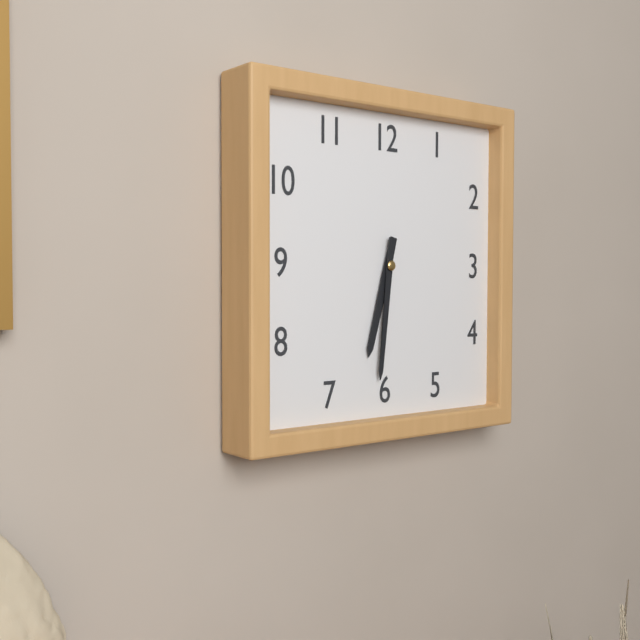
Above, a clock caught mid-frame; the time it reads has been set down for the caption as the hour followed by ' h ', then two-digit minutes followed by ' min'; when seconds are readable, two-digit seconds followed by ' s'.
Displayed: 6 h 31 min
